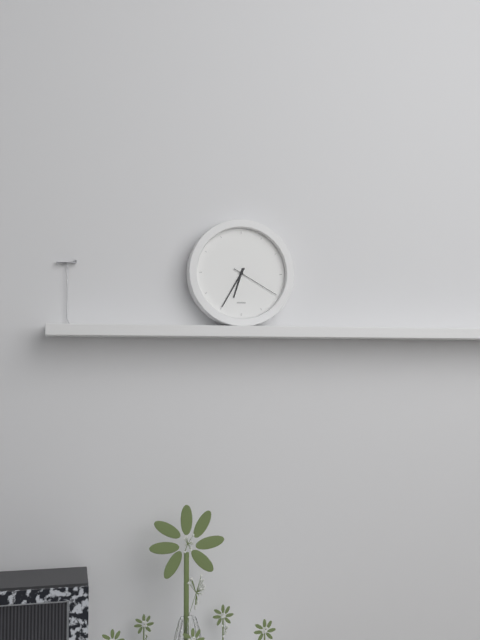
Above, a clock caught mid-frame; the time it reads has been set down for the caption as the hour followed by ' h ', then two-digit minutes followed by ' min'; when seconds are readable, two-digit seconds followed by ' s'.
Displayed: 6 h 35 min 20 s
